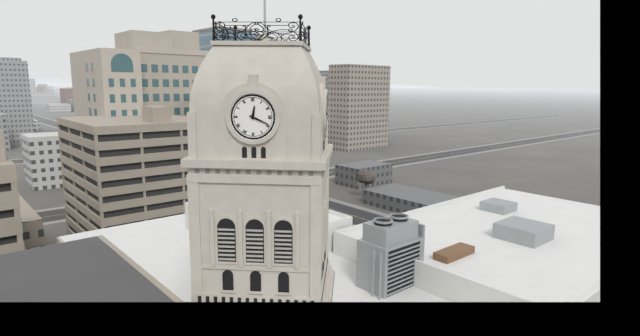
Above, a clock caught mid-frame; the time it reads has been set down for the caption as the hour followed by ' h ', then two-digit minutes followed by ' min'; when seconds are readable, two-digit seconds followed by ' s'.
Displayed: 12 h 19 min
